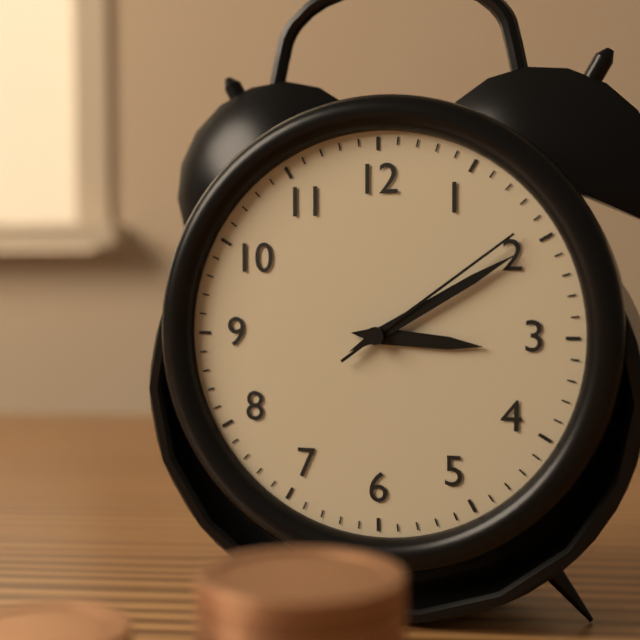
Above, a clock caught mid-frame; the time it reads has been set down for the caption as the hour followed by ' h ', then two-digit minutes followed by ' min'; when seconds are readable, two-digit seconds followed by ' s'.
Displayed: 3 h 10 min 09 s
